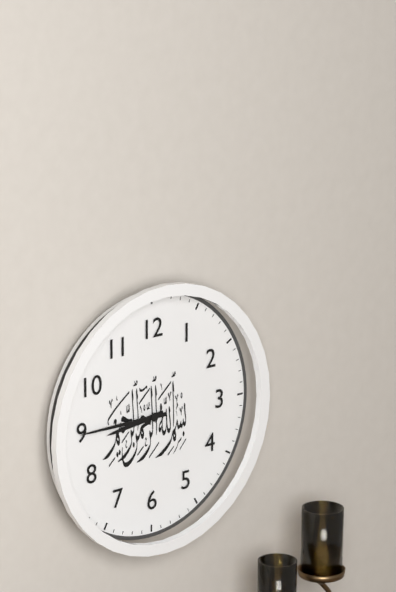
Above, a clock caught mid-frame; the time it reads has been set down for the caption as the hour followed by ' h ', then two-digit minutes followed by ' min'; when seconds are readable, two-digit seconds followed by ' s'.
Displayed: 8 h 45 min
